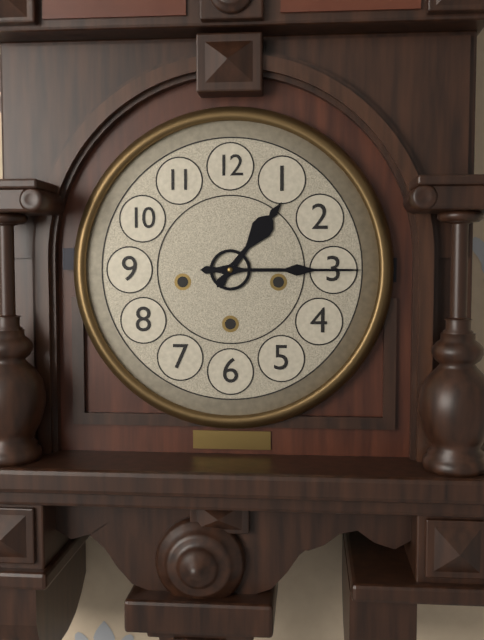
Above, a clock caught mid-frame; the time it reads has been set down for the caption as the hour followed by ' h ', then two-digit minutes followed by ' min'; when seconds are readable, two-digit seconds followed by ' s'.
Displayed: 1 h 15 min
